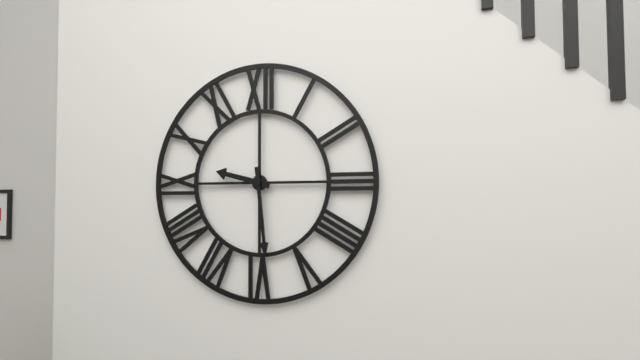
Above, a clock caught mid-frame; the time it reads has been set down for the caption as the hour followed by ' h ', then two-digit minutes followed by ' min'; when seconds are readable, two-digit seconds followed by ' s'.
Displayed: 9 h 29 min
